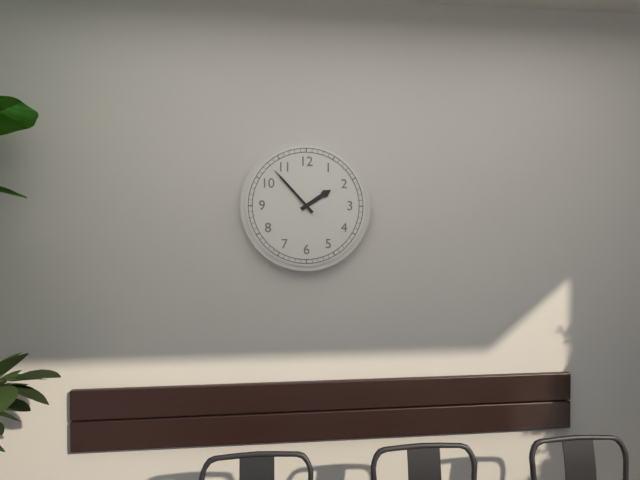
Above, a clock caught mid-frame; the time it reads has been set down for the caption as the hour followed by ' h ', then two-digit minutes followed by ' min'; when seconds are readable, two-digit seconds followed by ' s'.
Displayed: 1 h 53 min
